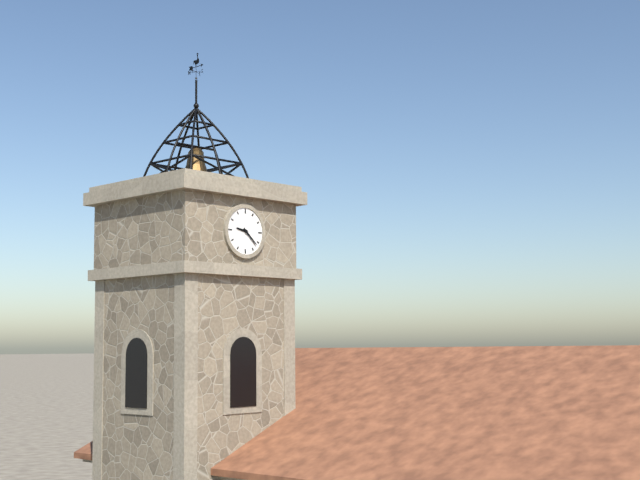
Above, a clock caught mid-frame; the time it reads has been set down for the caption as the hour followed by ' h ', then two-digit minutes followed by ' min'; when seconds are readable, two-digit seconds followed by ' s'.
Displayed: 9 h 22 min
